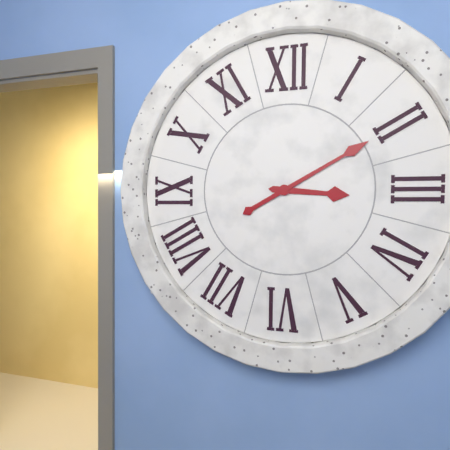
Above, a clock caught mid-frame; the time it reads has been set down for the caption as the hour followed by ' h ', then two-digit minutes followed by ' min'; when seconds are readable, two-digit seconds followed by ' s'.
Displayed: 3 h 10 min
